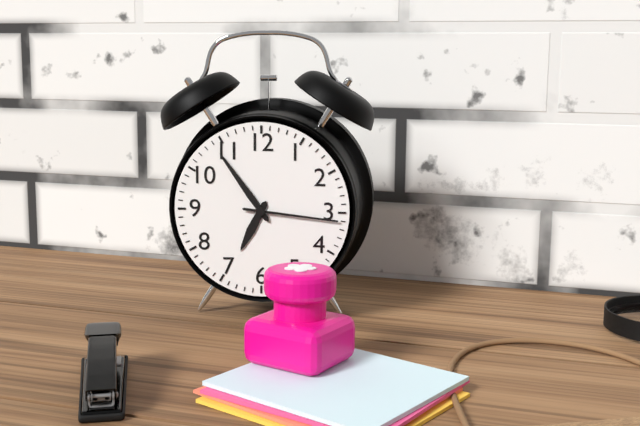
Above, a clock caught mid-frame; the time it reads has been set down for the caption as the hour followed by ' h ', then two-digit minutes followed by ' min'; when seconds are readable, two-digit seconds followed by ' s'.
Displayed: 6 h 54 min 16 s
